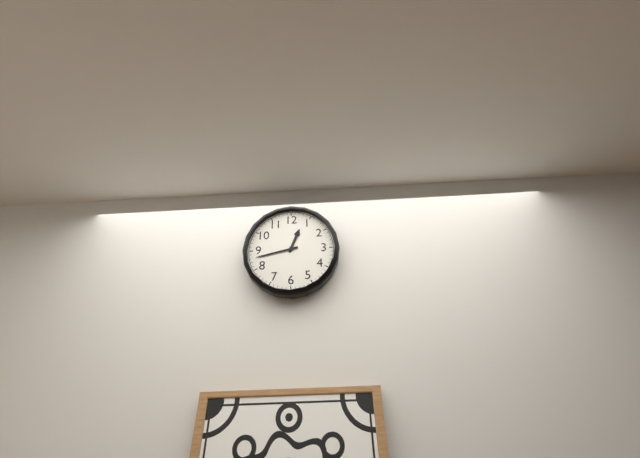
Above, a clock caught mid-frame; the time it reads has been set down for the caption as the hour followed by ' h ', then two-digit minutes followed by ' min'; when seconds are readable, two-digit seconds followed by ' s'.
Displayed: 12 h 43 min
